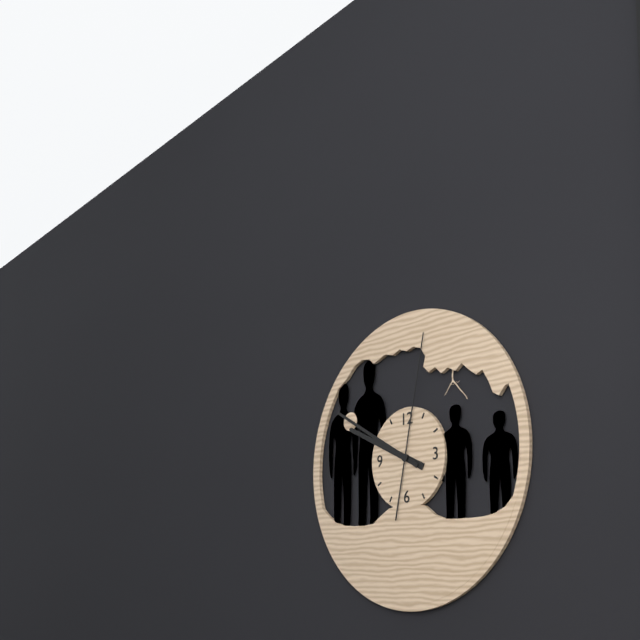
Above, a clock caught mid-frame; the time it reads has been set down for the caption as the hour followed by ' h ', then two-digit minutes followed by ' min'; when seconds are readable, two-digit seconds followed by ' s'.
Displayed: 9 h 50 min 02 s
